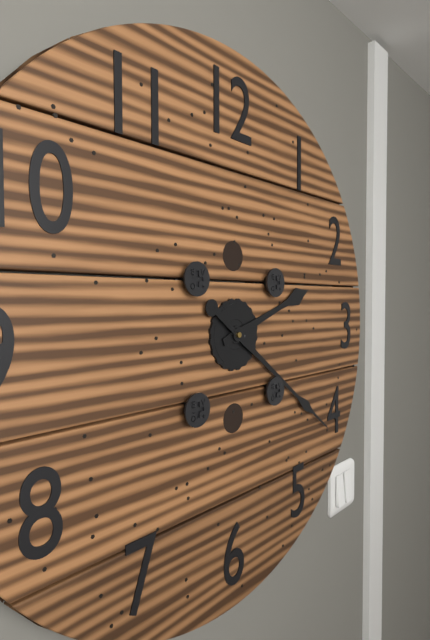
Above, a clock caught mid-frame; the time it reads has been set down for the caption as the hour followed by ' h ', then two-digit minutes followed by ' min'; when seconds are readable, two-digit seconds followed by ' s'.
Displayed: 2 h 21 min
